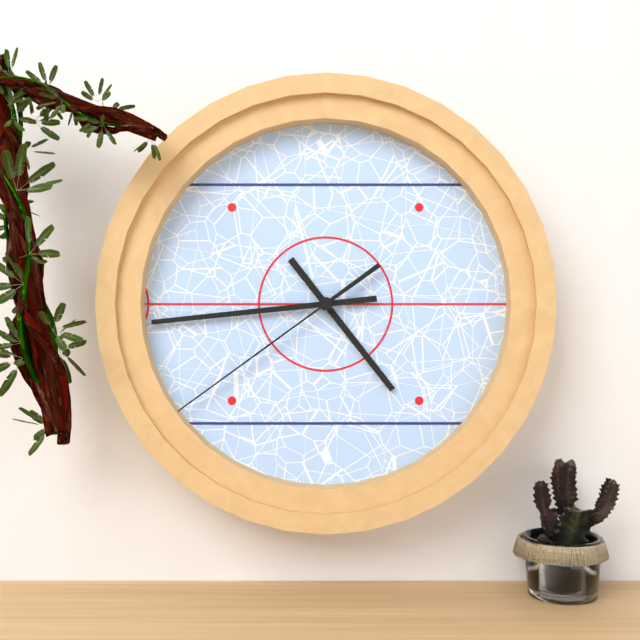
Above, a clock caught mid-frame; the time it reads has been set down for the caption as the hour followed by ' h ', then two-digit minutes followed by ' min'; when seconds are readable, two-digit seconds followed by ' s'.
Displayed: 4 h 44 min 39 s
